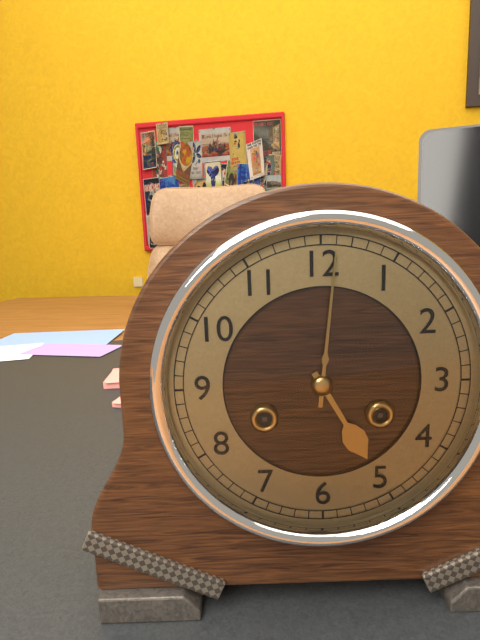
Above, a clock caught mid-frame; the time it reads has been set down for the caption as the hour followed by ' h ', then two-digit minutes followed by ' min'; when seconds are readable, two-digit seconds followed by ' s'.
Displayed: 5 h 01 min
